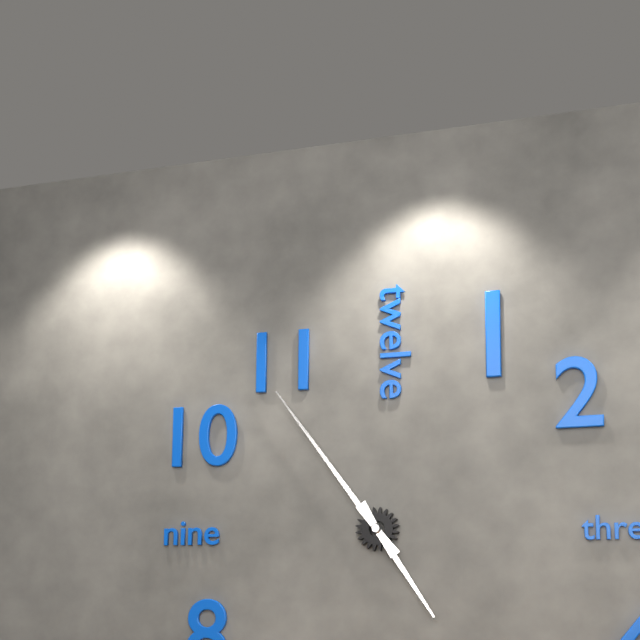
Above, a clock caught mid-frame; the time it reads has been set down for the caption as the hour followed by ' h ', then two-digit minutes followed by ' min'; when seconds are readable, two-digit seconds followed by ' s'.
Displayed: 4 h 54 min
